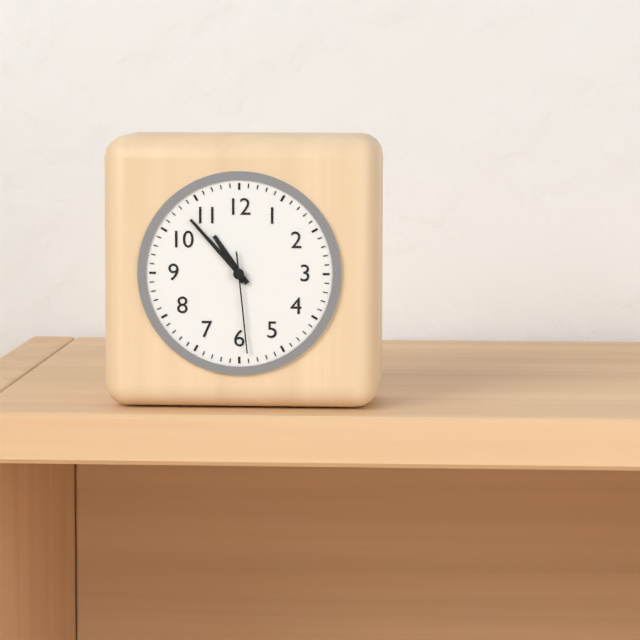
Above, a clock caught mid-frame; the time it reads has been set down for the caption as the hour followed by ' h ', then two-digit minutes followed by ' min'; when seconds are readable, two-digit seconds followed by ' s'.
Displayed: 10 h 53 min 29 s
